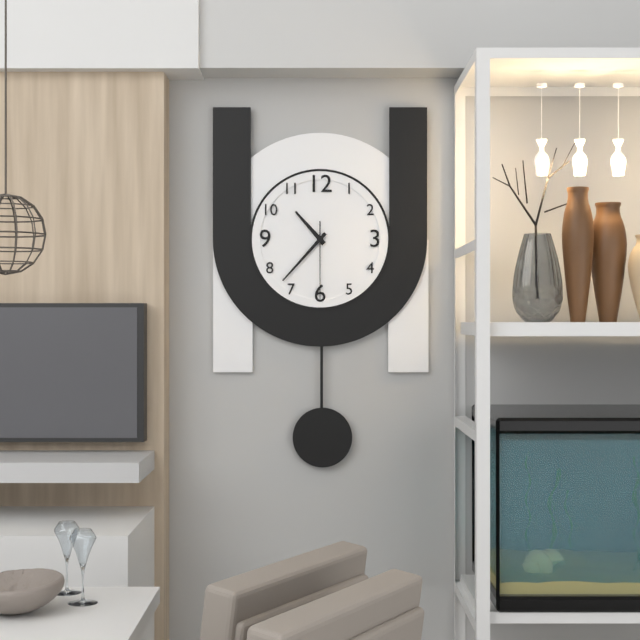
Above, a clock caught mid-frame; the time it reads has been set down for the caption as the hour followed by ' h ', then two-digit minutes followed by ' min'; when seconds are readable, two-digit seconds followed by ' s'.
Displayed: 10 h 37 min 30 s
